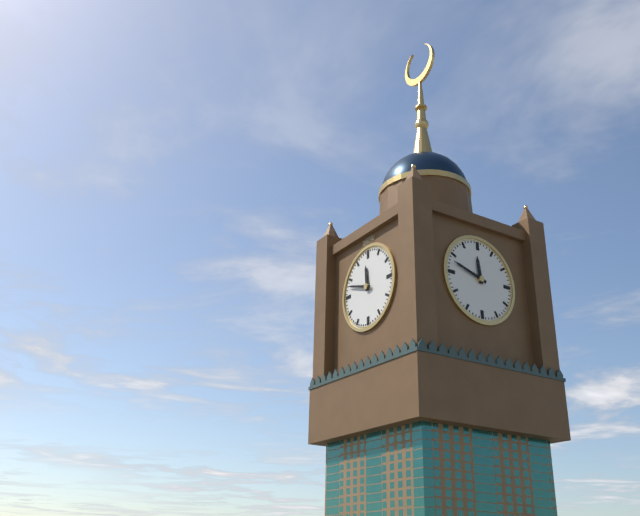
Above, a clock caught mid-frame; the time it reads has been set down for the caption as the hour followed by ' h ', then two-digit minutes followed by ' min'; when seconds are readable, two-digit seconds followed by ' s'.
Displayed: 11 h 48 min
